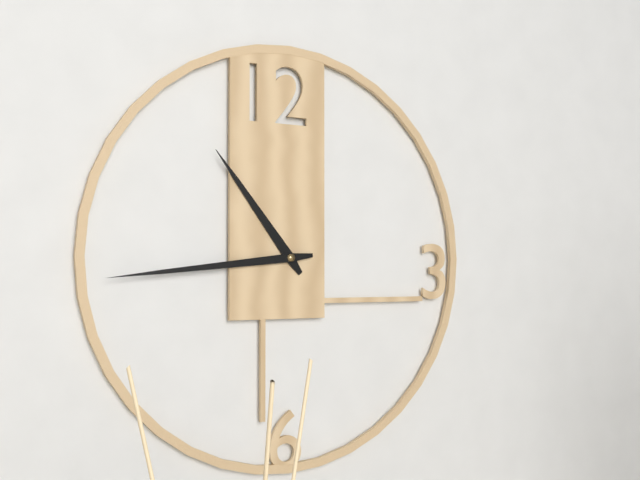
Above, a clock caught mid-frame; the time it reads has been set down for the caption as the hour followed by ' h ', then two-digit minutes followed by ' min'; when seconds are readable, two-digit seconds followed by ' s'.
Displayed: 10 h 44 min
